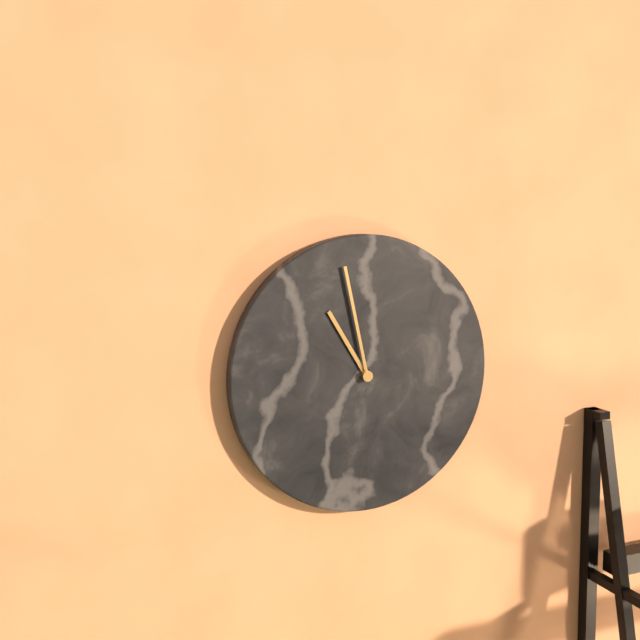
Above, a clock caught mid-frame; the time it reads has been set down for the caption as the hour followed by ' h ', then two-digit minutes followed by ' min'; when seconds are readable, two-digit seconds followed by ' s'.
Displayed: 10 h 58 min
